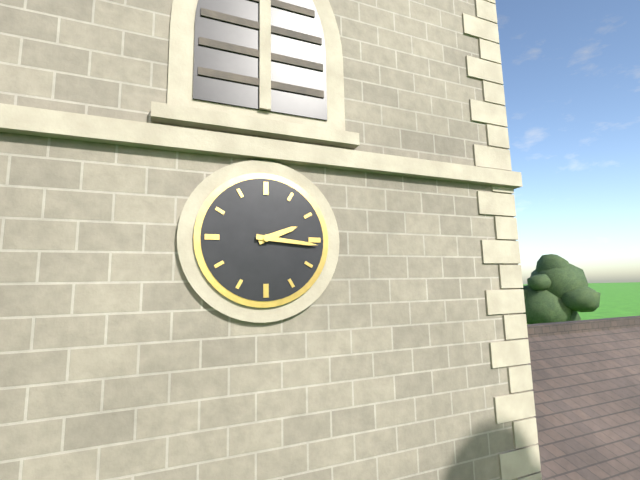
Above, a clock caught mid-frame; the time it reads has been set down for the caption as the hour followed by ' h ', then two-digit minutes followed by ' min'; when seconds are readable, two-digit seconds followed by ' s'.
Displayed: 2 h 16 min
